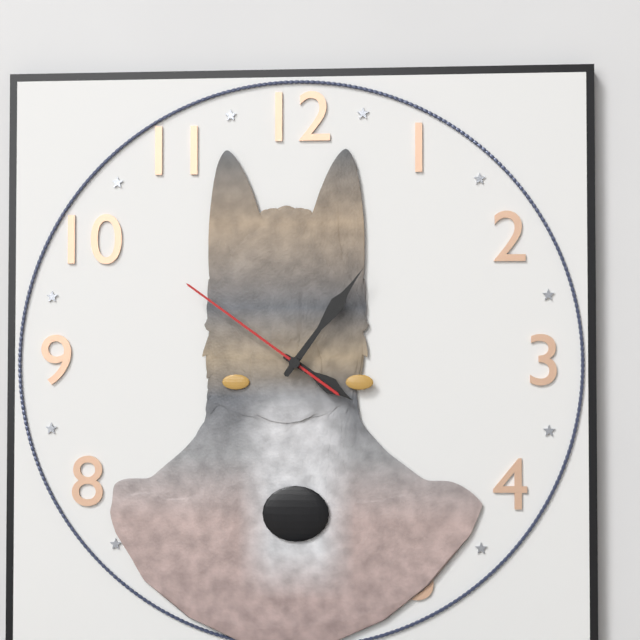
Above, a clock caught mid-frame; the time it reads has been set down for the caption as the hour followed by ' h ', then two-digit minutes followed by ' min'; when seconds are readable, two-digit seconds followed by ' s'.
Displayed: 4 h 06 min 51 s
